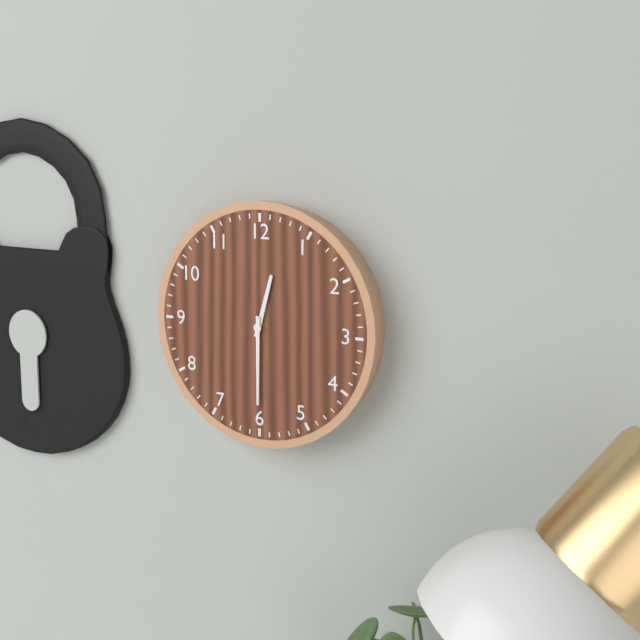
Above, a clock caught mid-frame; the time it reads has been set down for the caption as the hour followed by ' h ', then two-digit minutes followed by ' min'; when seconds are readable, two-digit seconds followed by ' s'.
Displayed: 12 h 30 min
